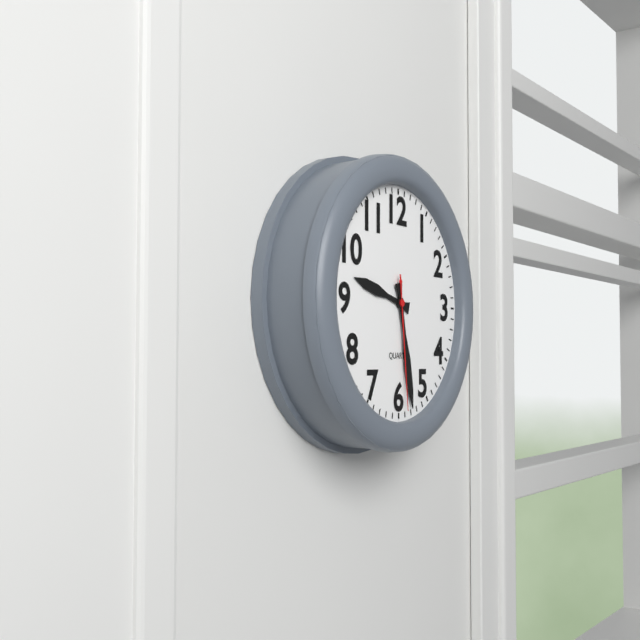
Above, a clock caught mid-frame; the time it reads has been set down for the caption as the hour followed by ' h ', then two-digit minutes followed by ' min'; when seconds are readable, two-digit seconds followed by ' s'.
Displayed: 9 h 28 min 29 s
